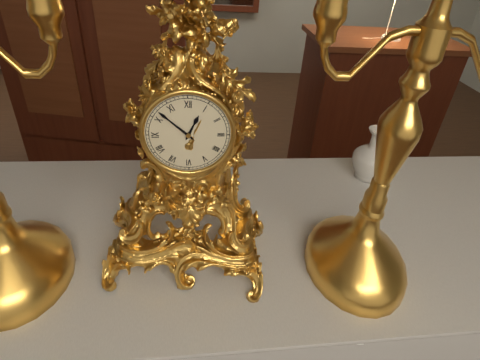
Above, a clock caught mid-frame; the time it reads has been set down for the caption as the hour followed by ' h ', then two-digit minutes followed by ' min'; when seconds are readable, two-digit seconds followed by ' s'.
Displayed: 12 h 52 min
